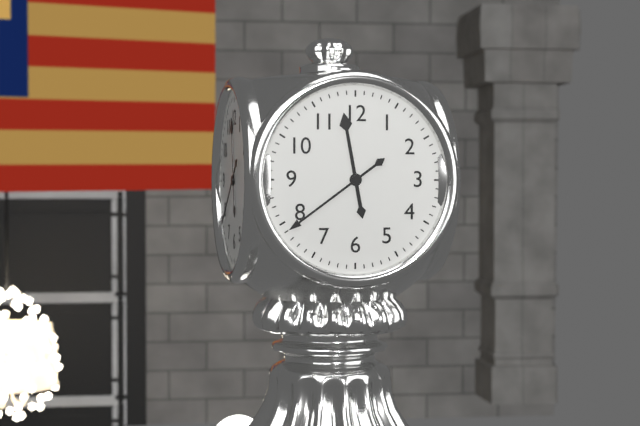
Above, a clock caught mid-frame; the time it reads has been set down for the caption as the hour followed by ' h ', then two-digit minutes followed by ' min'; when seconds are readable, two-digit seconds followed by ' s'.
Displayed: 11 h 39 min
